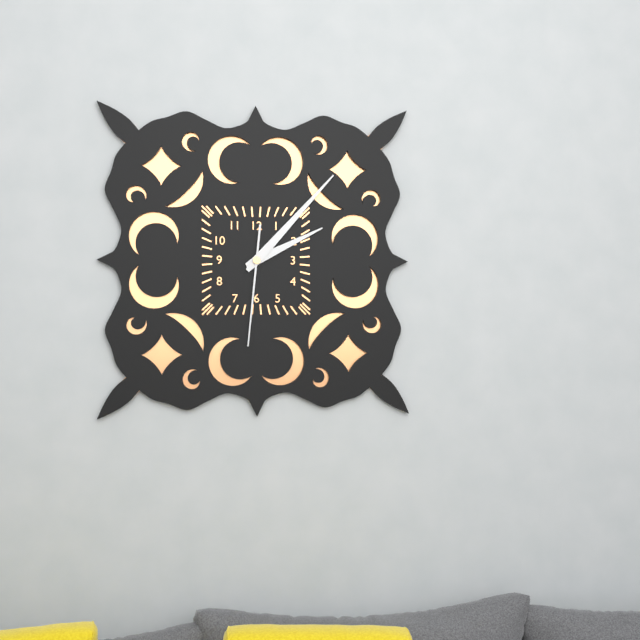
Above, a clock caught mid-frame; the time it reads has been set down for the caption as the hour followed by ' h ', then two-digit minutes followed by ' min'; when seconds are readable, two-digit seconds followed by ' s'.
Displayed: 2 h 07 min 31 s
